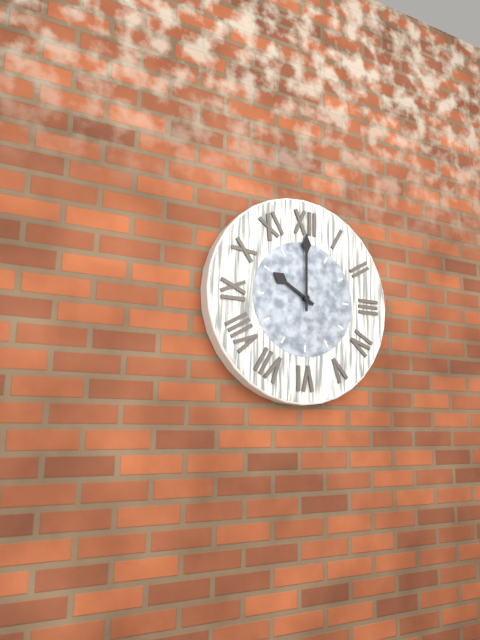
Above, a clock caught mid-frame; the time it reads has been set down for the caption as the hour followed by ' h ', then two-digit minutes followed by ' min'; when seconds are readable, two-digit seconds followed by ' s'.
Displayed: 10 h 00 min
